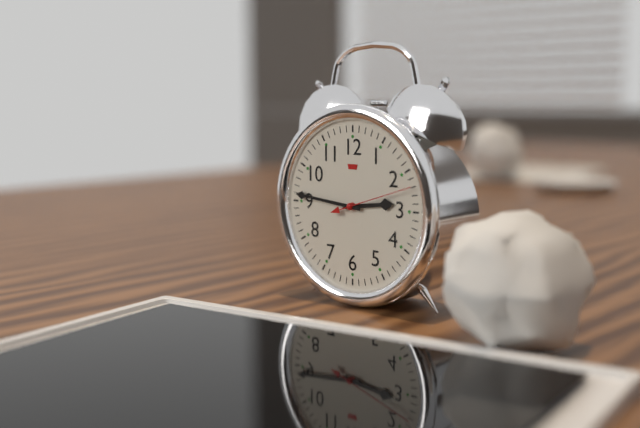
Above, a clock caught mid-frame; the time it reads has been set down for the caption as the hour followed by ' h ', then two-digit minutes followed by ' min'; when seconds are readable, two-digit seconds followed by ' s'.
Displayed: 2 h 46 min 12 s
